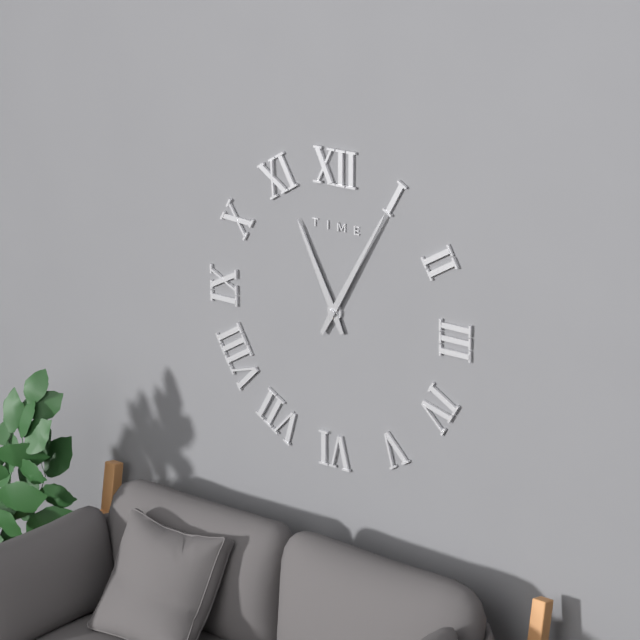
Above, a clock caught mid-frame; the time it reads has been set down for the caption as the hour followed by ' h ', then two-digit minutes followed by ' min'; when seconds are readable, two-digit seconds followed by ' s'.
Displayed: 11 h 05 min
